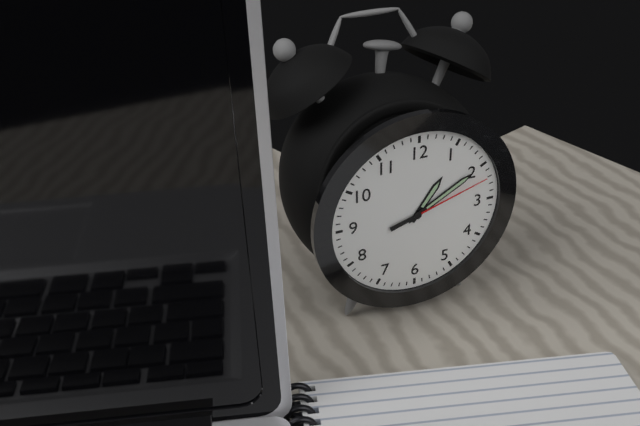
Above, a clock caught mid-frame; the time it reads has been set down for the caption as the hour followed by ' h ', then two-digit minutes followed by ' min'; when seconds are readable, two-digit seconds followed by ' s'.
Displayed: 1 h 10 min 12 s
